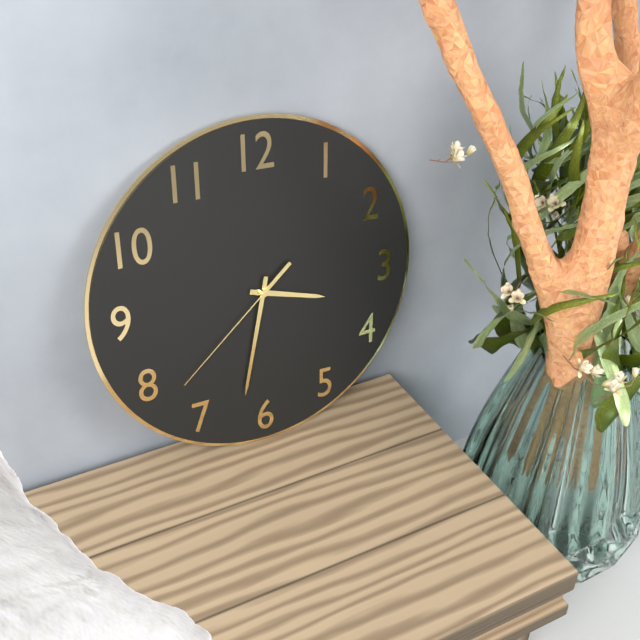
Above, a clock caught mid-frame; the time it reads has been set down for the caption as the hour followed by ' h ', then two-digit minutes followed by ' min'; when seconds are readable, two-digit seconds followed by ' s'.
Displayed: 3 h 32 min 38 s
